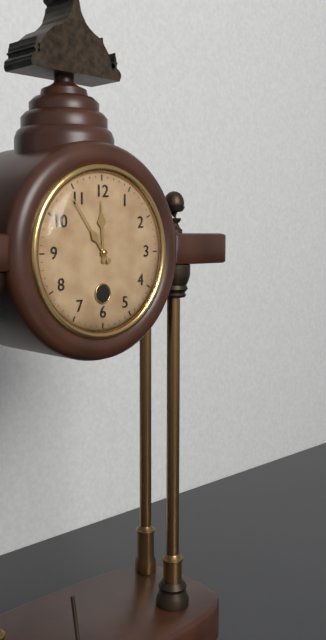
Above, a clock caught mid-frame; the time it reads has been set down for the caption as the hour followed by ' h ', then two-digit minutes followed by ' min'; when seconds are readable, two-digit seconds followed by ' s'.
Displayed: 11 h 54 min
